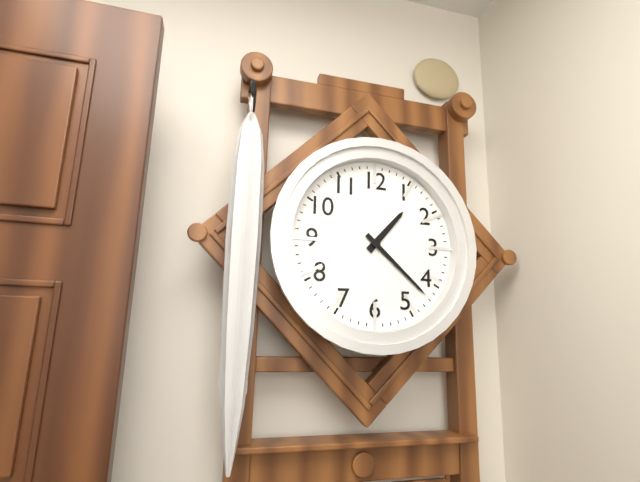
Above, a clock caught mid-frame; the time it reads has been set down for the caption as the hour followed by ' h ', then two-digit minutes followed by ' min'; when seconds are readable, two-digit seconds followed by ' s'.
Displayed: 1 h 22 min
